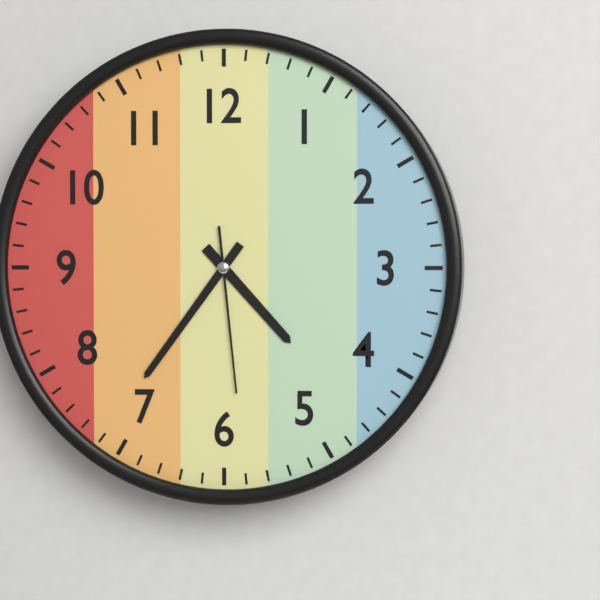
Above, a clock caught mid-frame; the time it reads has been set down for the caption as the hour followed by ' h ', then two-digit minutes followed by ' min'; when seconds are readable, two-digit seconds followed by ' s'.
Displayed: 4 h 36 min 29 s
